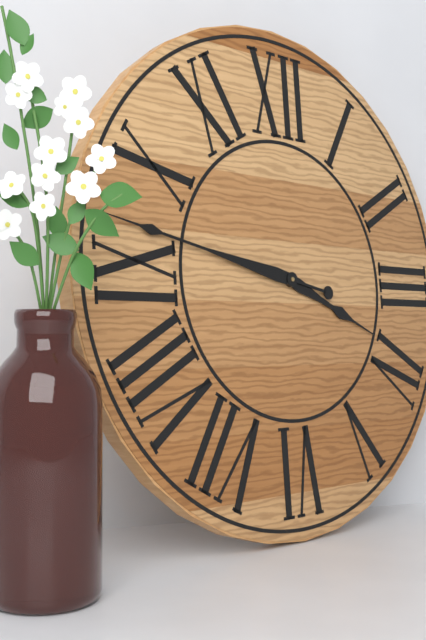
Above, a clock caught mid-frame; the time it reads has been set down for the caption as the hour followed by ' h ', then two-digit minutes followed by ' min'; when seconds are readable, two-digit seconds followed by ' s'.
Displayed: 3 h 47 min
